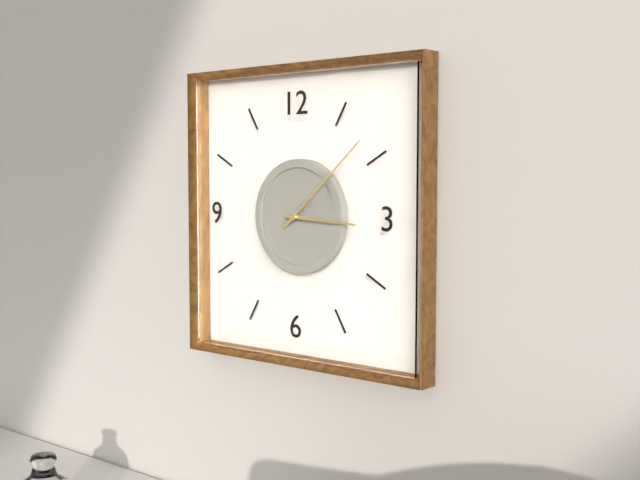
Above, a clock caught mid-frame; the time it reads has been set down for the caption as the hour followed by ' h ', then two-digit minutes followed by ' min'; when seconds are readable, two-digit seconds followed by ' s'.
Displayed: 3 h 08 min
